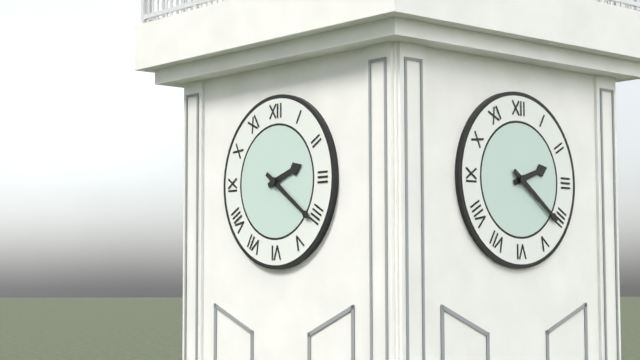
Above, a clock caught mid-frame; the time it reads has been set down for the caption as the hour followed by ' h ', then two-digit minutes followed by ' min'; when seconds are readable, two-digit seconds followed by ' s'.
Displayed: 2 h 21 min
